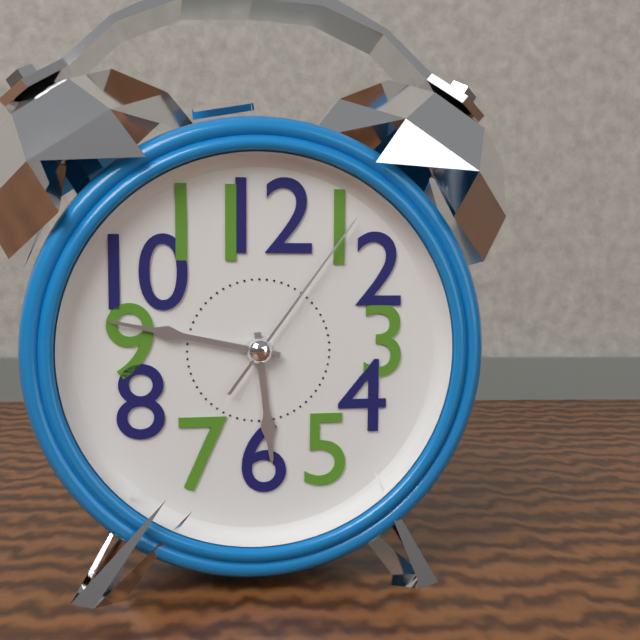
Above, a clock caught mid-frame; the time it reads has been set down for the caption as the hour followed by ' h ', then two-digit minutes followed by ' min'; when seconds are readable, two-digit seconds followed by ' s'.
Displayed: 5 h 47 min 06 s
